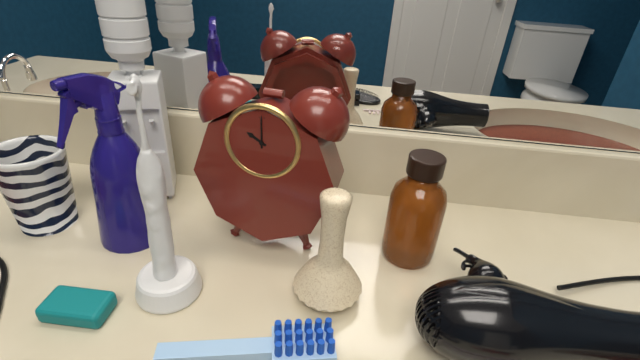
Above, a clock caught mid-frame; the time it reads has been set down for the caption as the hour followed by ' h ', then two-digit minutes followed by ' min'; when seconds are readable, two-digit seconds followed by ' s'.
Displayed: 10 h 00 min
